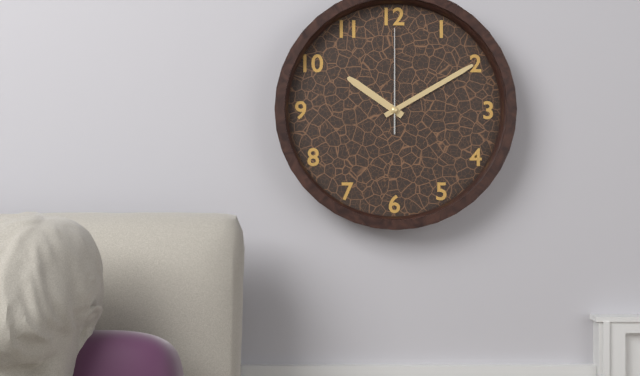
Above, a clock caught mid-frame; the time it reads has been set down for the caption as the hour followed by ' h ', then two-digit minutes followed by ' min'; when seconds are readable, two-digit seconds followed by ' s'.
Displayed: 10 h 10 min 00 s
